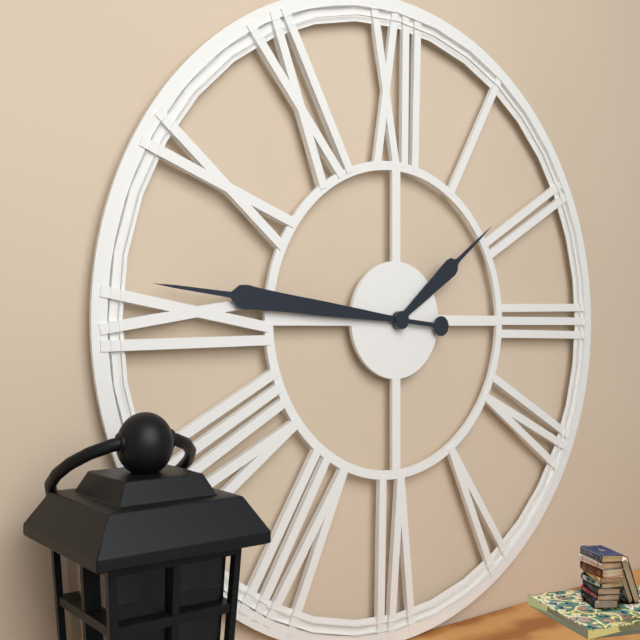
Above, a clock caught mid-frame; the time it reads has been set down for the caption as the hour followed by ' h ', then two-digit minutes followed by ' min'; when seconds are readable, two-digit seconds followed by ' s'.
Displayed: 1 h 46 min
